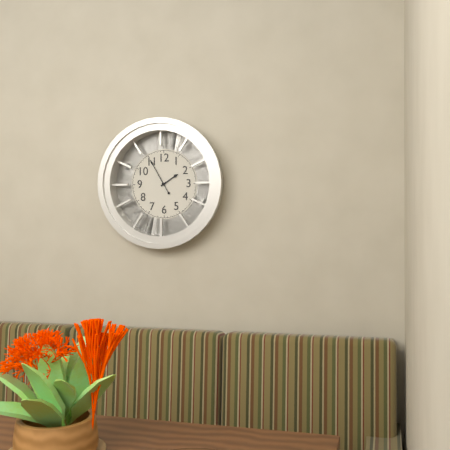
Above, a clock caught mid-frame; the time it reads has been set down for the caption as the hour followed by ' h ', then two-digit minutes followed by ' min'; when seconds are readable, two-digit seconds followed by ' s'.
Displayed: 1 h 55 min
